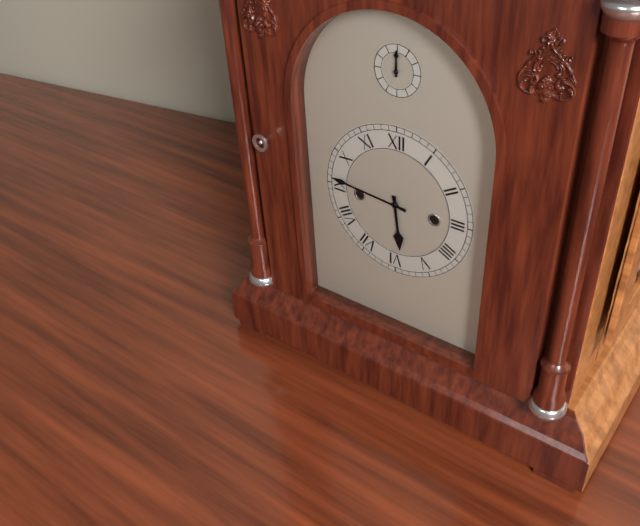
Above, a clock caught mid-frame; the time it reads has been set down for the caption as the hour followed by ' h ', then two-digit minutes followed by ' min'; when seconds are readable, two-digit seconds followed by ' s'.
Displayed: 5 h 46 min
